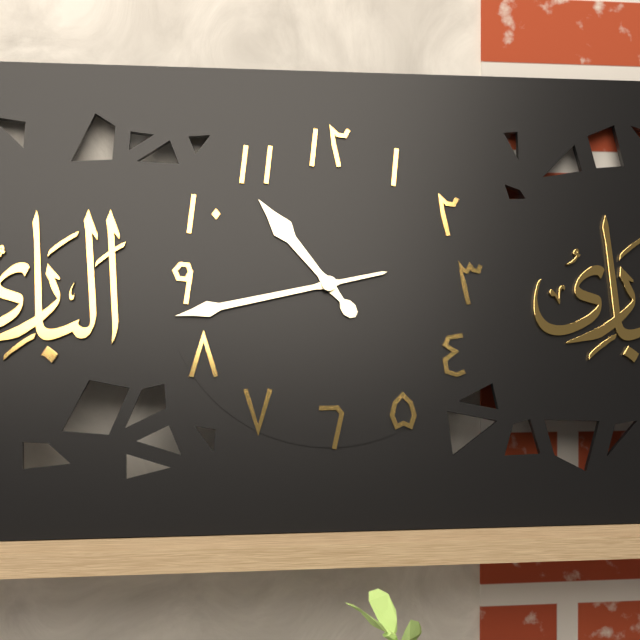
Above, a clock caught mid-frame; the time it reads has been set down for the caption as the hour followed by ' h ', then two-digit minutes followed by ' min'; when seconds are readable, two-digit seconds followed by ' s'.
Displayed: 10 h 43 min
